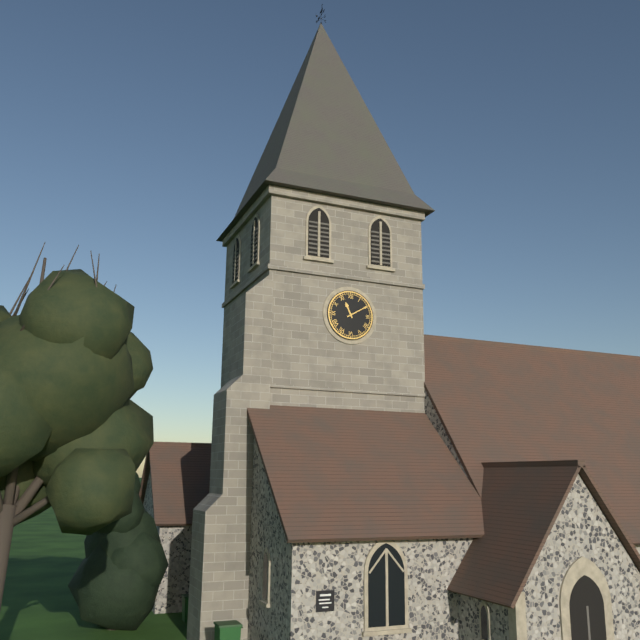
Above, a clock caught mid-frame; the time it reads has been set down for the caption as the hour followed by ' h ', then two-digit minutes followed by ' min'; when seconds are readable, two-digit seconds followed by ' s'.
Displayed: 11 h 10 min
